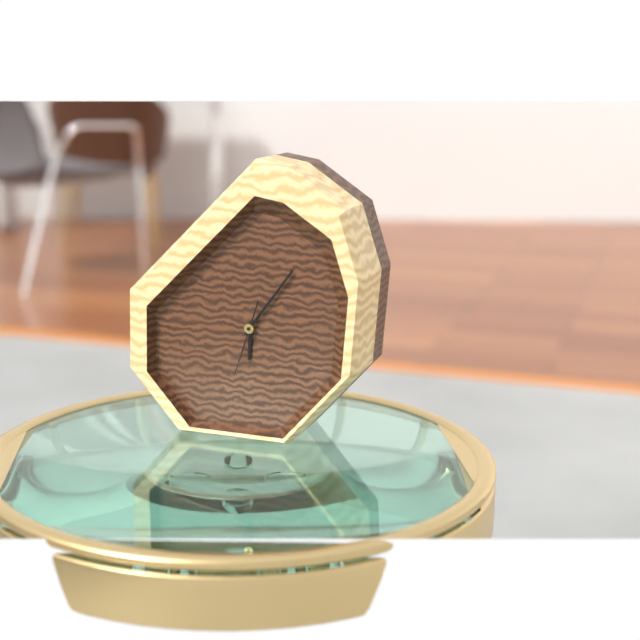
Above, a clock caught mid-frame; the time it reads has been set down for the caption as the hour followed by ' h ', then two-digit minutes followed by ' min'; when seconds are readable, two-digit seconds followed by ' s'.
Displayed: 6 h 06 min 33 s
